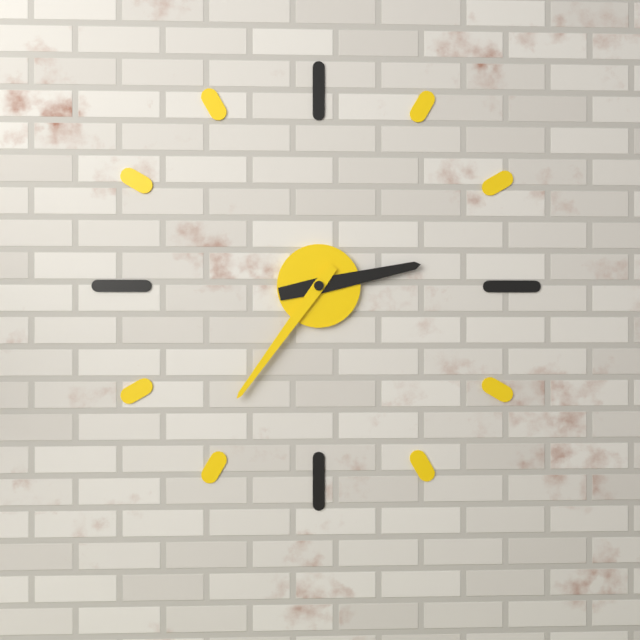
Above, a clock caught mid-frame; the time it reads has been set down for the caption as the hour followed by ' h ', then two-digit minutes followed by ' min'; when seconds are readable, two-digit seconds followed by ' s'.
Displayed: 2 h 36 min
